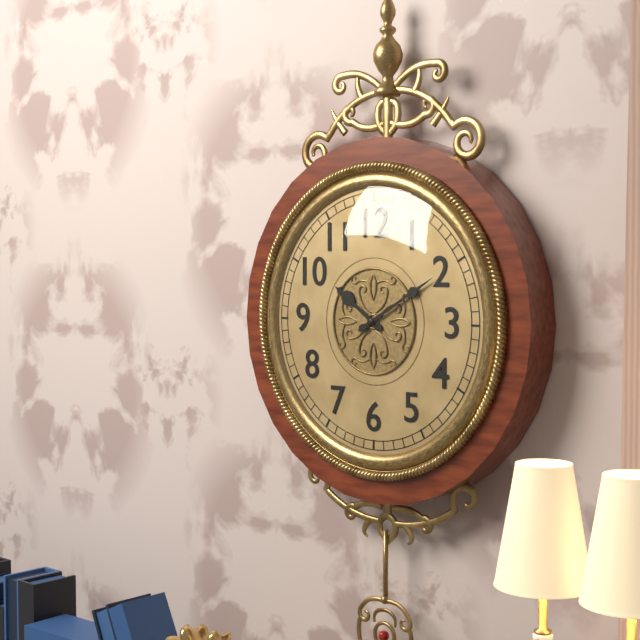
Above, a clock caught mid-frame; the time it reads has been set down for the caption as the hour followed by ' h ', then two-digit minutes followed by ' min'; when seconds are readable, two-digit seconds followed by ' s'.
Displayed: 10 h 10 min
